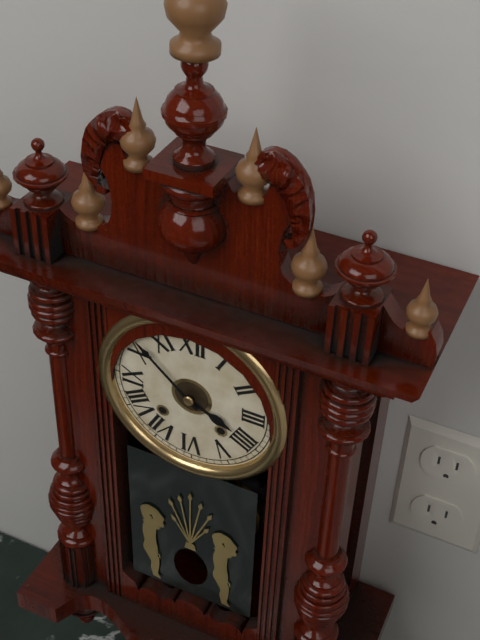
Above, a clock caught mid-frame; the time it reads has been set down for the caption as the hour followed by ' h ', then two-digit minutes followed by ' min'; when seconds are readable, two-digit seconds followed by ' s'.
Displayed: 3 h 52 min
